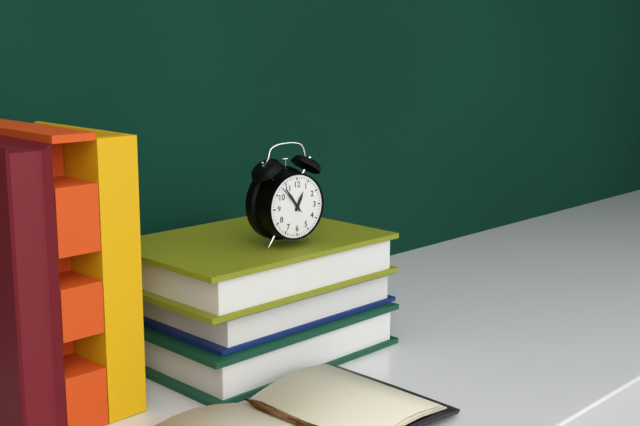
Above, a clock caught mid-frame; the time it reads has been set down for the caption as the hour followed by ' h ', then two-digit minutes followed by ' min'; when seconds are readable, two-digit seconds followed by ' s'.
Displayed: 12 h 54 min
